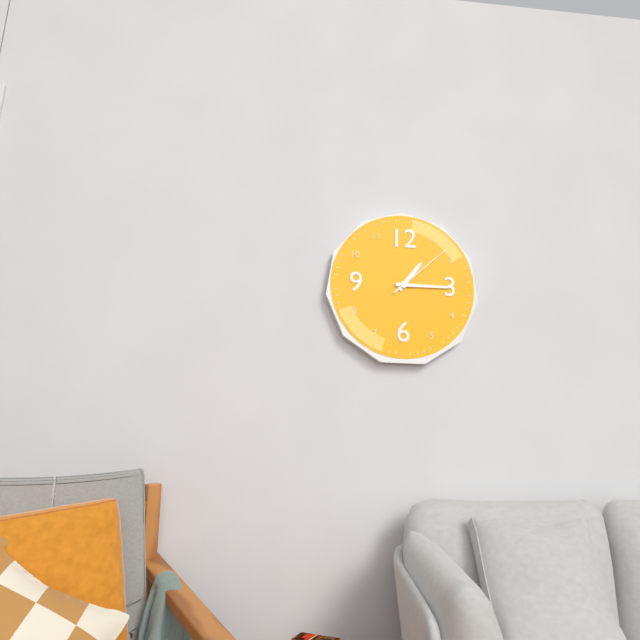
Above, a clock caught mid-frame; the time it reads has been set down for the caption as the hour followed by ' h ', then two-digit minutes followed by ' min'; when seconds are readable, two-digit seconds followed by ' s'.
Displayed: 1 h 15 min 08 s
